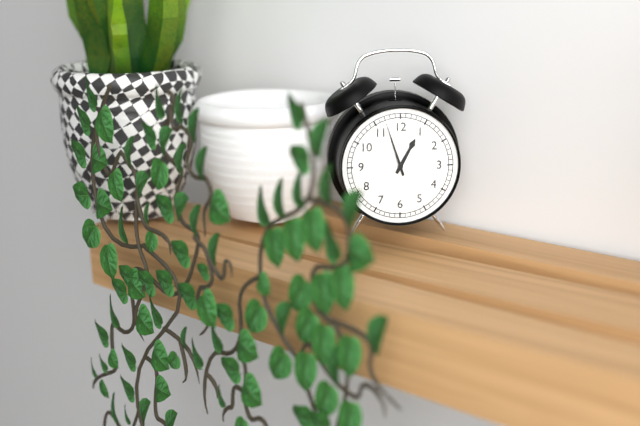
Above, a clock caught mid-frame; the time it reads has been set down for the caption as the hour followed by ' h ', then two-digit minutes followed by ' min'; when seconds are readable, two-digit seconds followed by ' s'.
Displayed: 12 h 57 min
